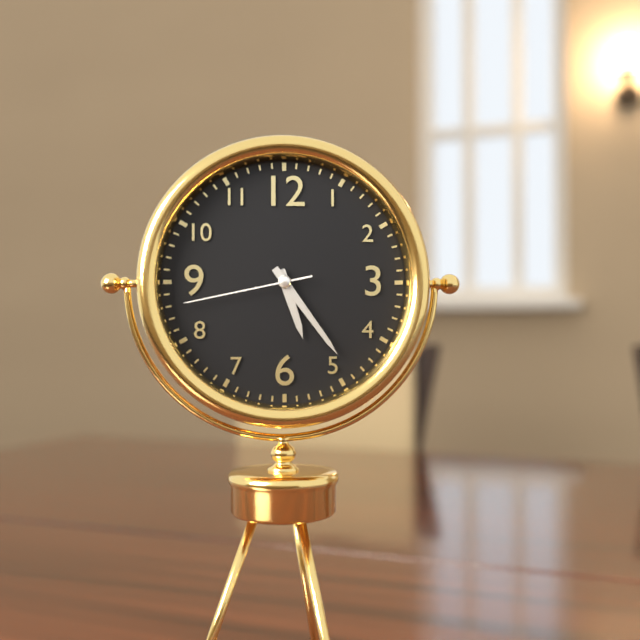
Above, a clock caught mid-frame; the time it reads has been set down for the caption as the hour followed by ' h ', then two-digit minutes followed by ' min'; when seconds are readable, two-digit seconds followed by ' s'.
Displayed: 5 h 24 min 43 s
